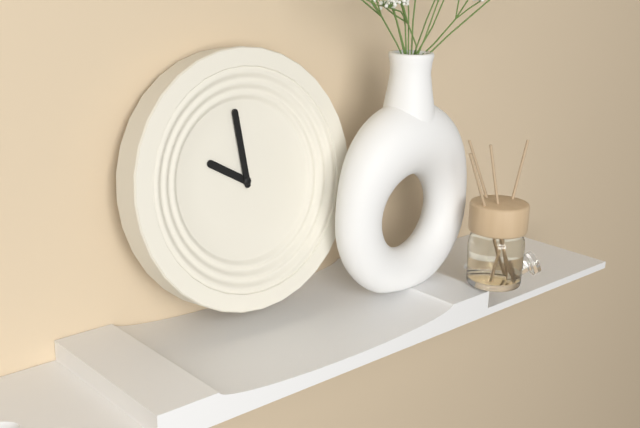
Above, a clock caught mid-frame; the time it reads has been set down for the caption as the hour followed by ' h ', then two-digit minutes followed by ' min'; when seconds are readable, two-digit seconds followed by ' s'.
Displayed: 9 h 59 min
